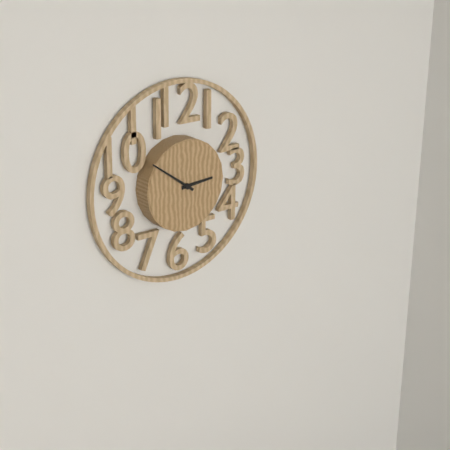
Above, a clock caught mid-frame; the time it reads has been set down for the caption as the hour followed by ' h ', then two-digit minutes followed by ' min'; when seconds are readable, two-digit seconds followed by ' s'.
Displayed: 2 h 51 min
